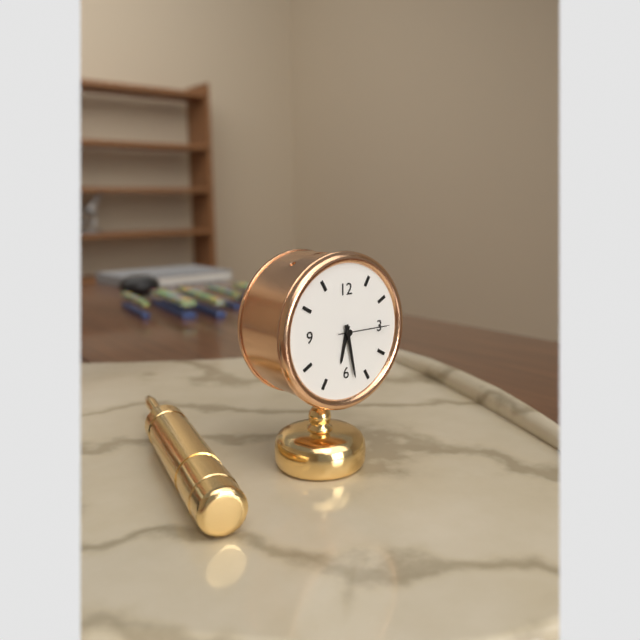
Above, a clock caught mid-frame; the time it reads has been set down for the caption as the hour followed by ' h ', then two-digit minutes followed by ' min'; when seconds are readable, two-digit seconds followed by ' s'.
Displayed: 6 h 28 min 15 s
